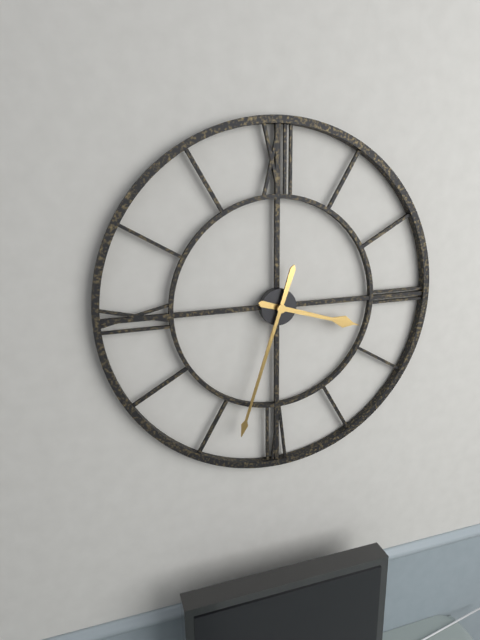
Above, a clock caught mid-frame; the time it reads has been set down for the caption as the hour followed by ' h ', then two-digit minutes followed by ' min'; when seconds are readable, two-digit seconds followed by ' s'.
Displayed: 3 h 33 min
